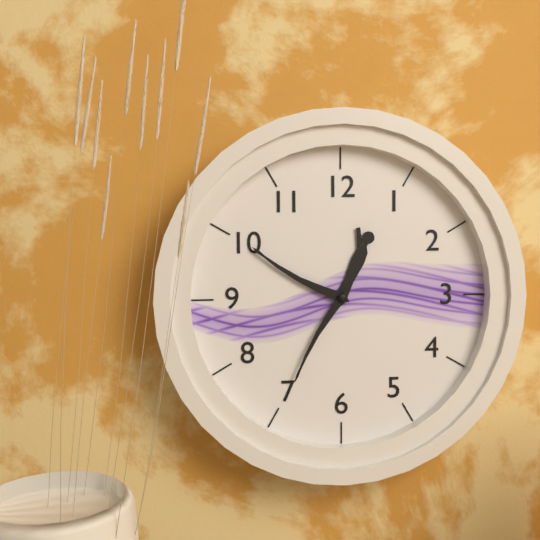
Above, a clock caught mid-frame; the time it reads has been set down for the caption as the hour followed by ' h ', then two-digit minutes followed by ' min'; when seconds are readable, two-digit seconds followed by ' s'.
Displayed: 12 h 50 min 35 s
